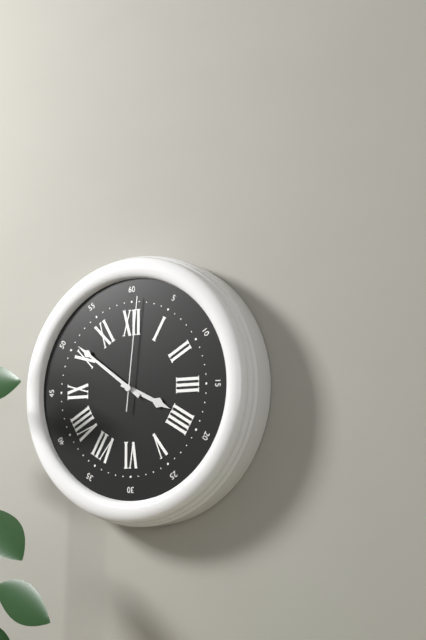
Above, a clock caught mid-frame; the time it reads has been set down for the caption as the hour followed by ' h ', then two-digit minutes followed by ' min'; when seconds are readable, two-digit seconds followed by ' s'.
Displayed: 3 h 51 min 01 s
